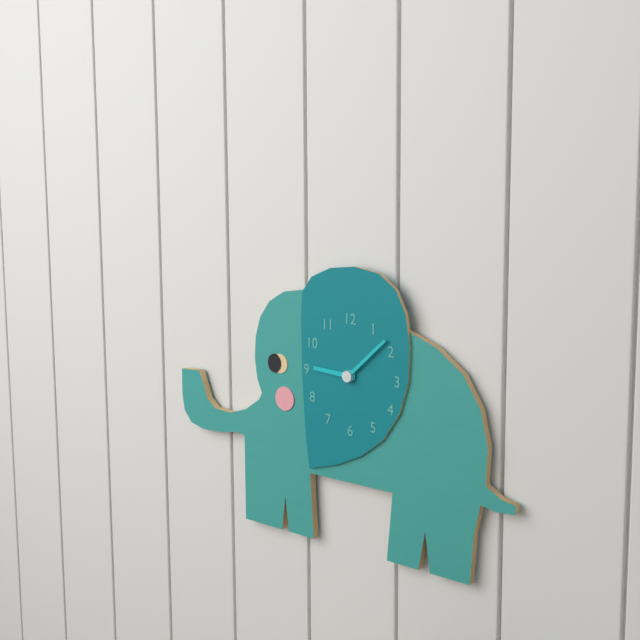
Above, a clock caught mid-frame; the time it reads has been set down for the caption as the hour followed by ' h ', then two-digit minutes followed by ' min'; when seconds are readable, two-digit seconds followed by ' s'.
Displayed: 9 h 08 min
